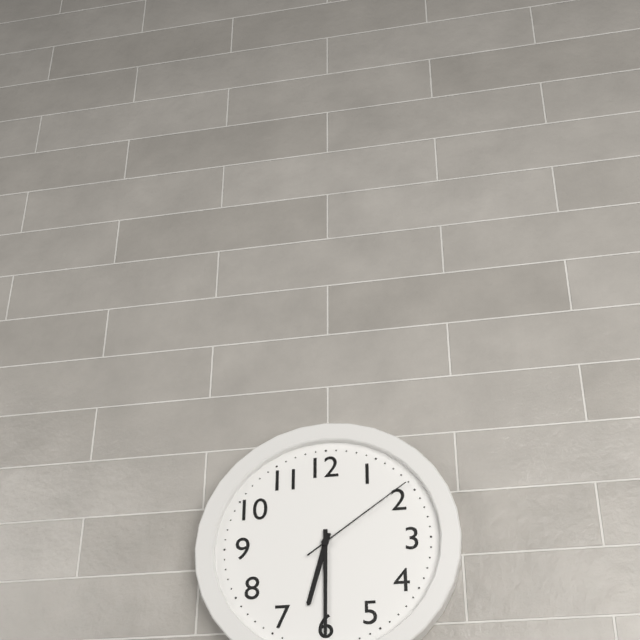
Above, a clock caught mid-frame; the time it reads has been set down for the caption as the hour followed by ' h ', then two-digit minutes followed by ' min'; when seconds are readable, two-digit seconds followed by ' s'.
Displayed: 6 h 30 min 09 s
